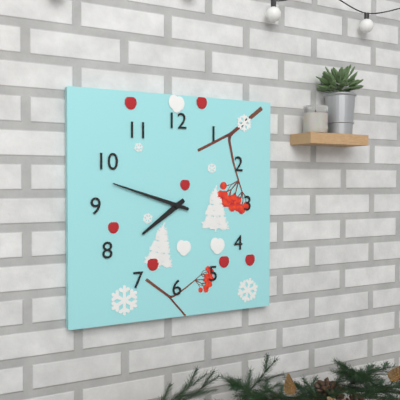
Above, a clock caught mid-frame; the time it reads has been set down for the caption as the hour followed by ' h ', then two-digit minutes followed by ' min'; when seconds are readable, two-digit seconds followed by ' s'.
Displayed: 7 h 48 min
